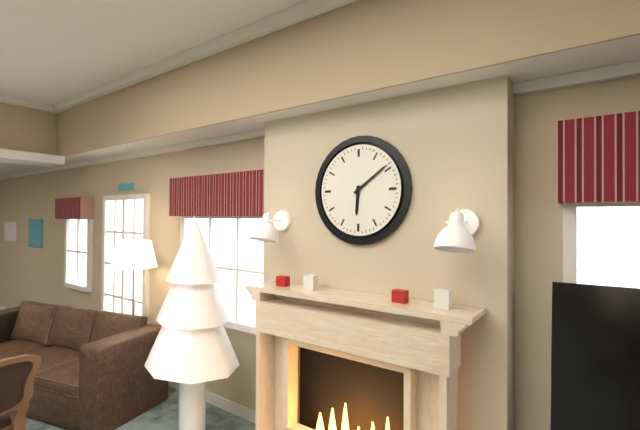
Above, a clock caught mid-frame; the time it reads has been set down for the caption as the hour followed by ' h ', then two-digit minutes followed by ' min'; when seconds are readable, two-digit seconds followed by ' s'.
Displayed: 6 h 09 min
